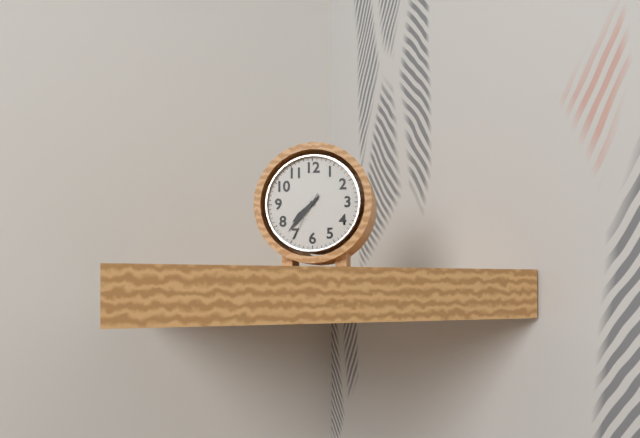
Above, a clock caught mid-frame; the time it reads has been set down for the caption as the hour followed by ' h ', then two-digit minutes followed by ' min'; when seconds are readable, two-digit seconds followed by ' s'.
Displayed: 7 h 37 min 35 s
